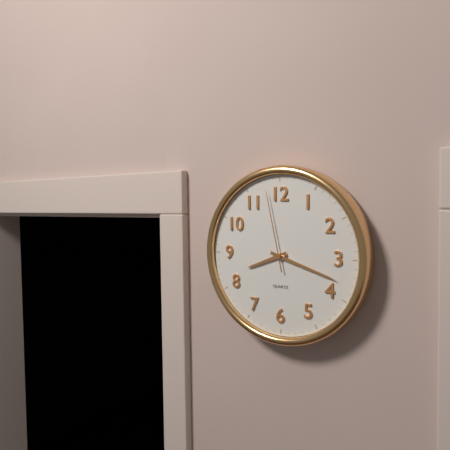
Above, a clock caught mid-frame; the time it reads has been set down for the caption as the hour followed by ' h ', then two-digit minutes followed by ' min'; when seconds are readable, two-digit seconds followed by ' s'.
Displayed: 8 h 18 min 58 s
